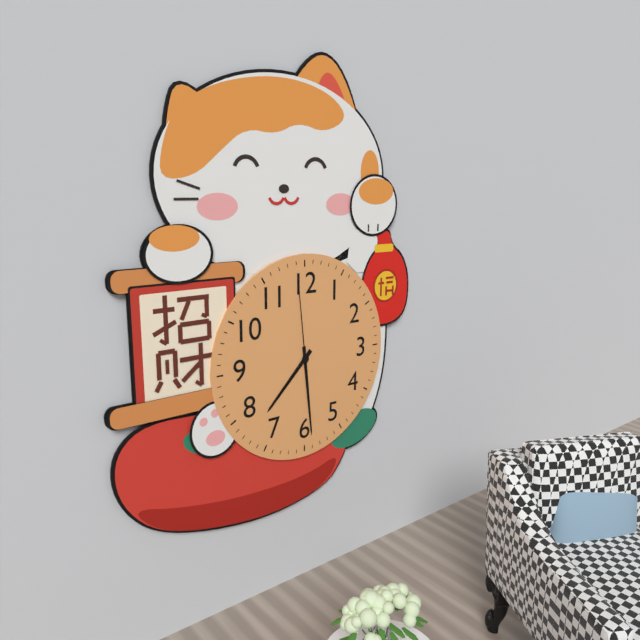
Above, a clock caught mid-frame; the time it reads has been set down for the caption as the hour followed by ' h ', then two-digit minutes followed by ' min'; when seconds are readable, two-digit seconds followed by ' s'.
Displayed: 7 h 29 min 59 s
